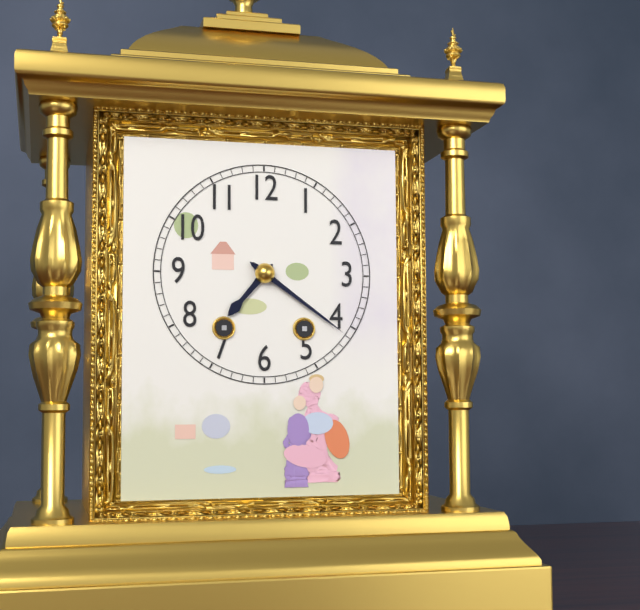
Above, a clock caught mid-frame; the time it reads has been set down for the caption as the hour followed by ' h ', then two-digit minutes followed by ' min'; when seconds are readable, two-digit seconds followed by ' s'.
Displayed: 7 h 21 min
